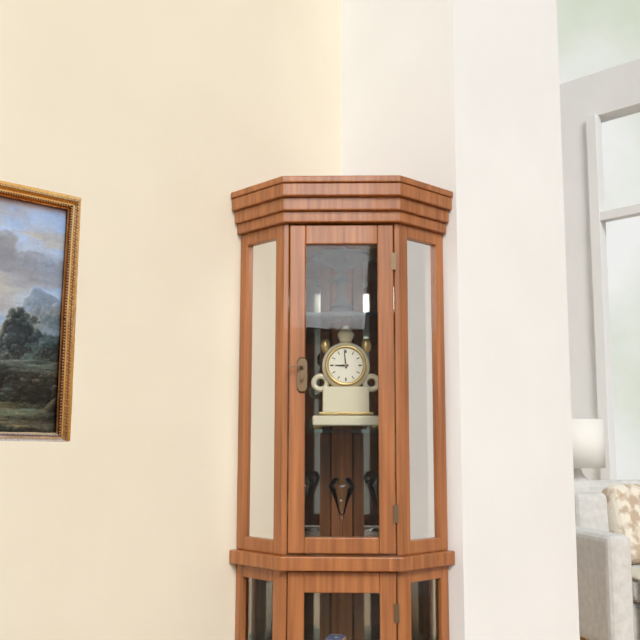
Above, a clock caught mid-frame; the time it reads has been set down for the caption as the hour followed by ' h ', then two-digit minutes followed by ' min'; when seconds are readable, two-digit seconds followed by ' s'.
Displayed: 8 h 59 min
